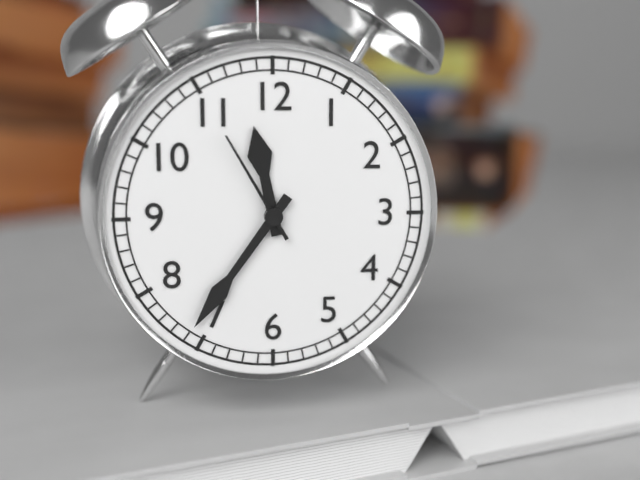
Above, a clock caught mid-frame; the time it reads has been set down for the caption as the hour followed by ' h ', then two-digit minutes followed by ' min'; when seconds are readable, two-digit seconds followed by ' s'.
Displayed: 11 h 36 min 55 s
